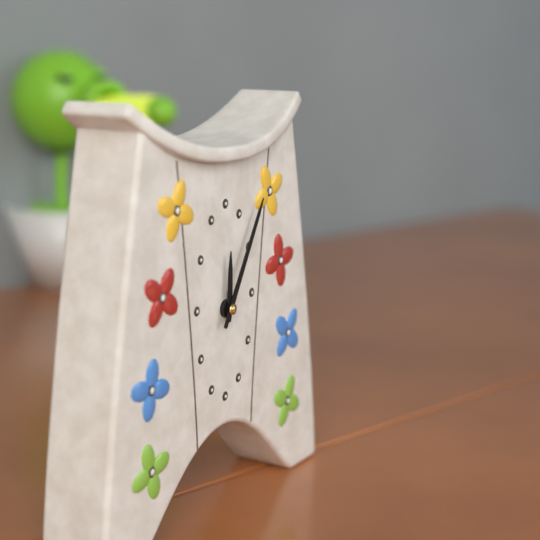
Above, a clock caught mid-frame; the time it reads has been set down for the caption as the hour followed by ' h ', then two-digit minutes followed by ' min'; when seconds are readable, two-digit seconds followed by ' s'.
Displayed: 12 h 05 min
